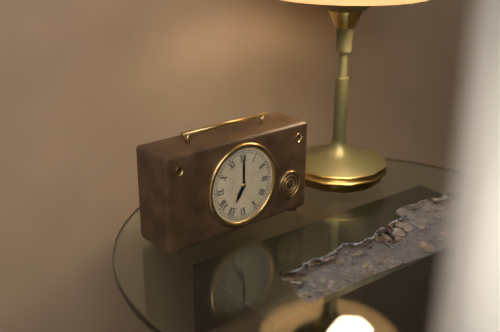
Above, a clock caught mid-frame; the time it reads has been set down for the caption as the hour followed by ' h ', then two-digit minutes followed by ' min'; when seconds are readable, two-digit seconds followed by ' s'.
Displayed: 7 h 00 min
